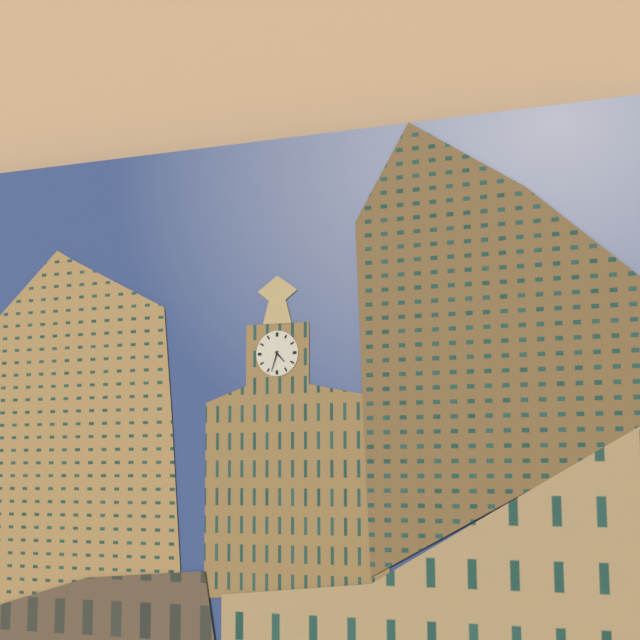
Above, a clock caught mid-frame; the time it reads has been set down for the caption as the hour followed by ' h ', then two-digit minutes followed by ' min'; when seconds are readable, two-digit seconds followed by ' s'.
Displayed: 4 h 33 min
